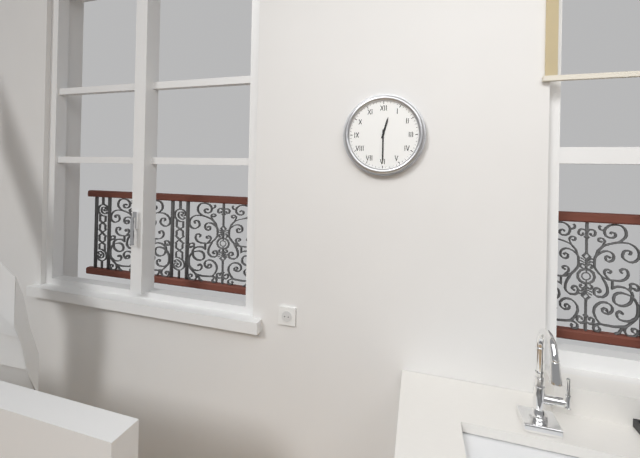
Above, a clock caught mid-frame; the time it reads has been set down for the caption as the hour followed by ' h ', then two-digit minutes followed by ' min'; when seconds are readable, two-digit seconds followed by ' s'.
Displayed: 12 h 30 min
